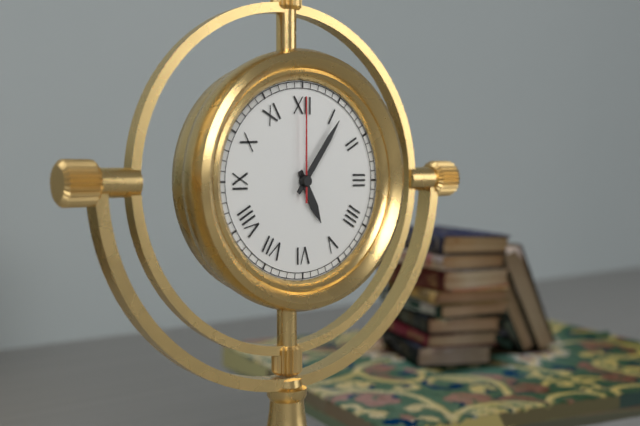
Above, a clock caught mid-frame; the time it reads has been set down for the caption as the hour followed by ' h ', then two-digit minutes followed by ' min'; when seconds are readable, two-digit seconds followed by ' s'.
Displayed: 5 h 06 min 00 s
